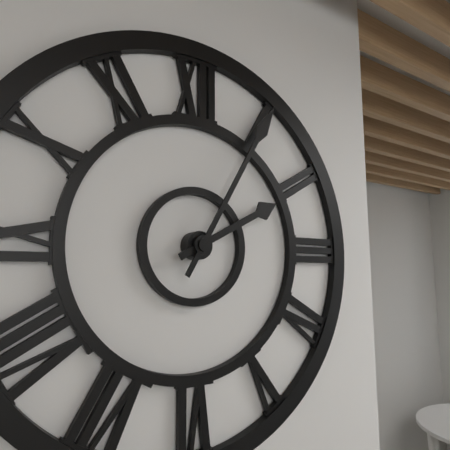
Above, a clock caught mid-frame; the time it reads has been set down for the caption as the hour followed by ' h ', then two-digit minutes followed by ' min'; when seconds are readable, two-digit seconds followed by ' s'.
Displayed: 2 h 05 min
